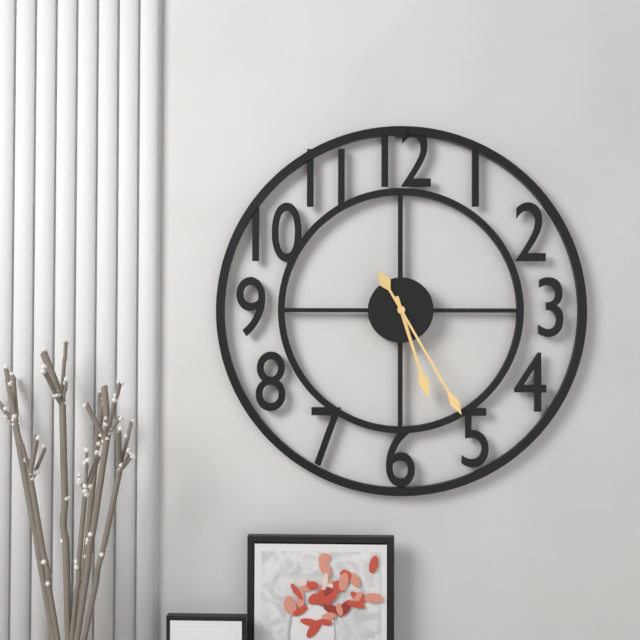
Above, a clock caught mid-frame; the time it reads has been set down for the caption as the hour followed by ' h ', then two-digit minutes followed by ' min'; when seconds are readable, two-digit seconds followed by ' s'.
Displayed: 5 h 25 min
